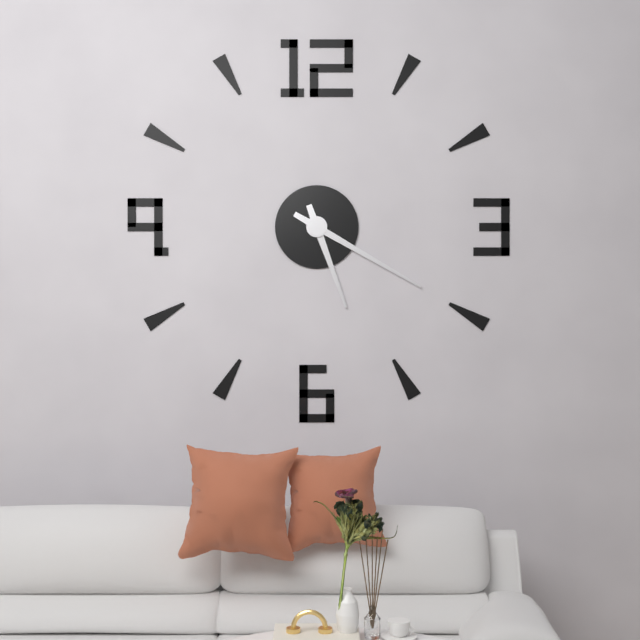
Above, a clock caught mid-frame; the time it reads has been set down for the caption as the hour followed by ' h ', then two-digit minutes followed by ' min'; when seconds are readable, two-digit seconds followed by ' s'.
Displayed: 5 h 20 min
